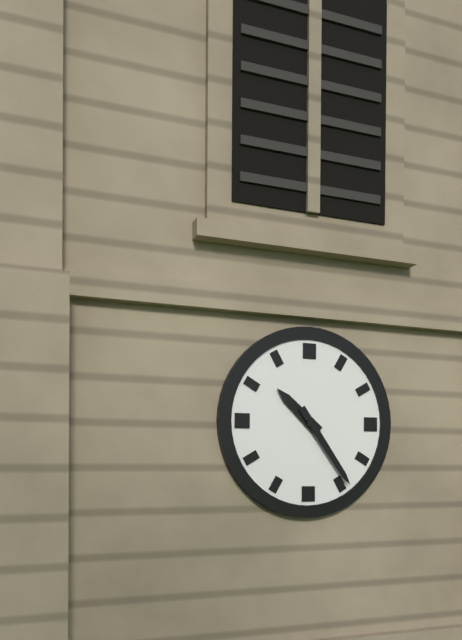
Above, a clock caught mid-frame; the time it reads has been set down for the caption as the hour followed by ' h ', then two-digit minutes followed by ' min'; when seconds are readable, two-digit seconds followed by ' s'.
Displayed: 10 h 24 min
